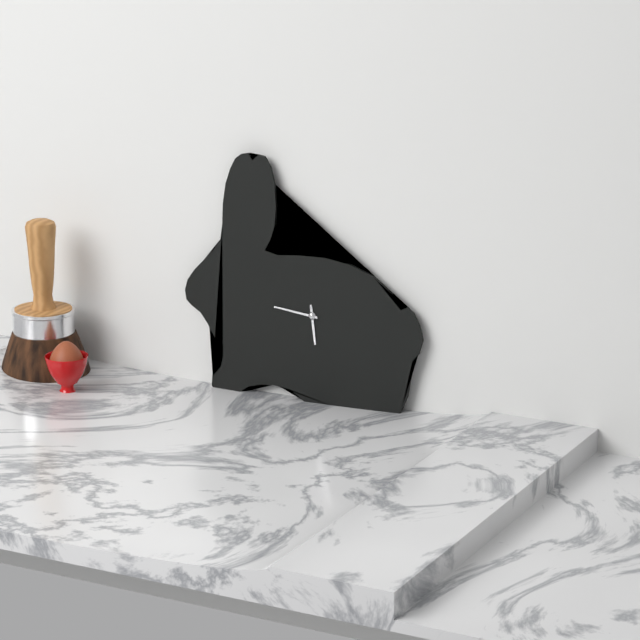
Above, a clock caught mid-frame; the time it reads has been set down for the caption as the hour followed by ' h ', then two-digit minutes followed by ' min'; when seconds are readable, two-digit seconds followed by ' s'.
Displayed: 5 h 46 min
